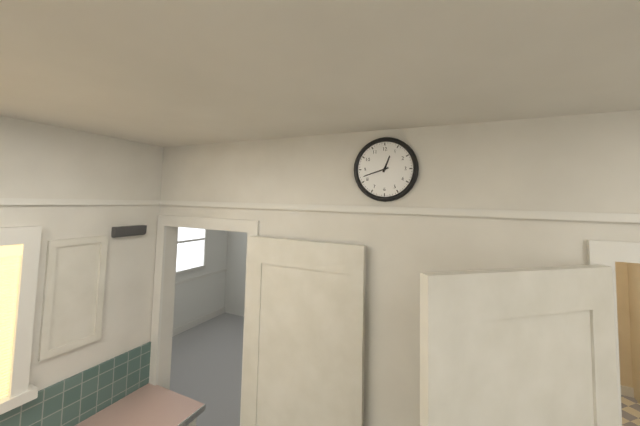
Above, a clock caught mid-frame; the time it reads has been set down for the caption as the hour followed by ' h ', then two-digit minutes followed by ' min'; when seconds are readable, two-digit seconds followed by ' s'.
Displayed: 12 h 42 min
